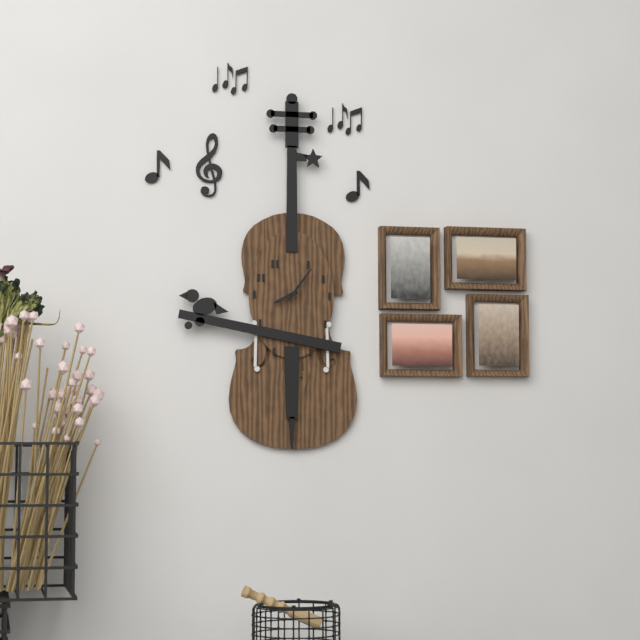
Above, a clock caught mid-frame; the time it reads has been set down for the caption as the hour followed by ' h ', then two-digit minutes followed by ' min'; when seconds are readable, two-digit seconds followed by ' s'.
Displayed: 8 h 06 min
